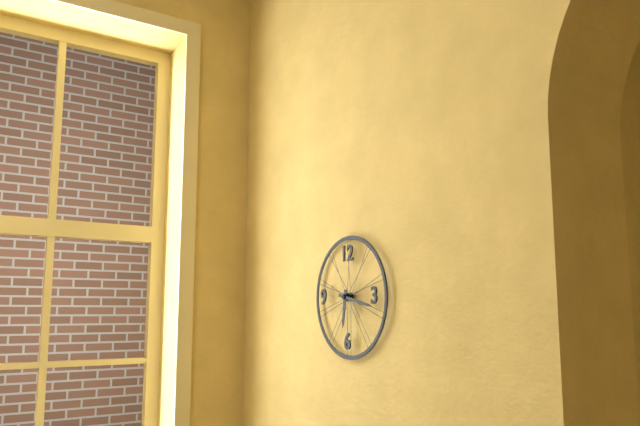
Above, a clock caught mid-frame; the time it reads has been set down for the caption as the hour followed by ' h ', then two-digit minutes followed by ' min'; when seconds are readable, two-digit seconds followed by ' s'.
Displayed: 6 h 17 min
